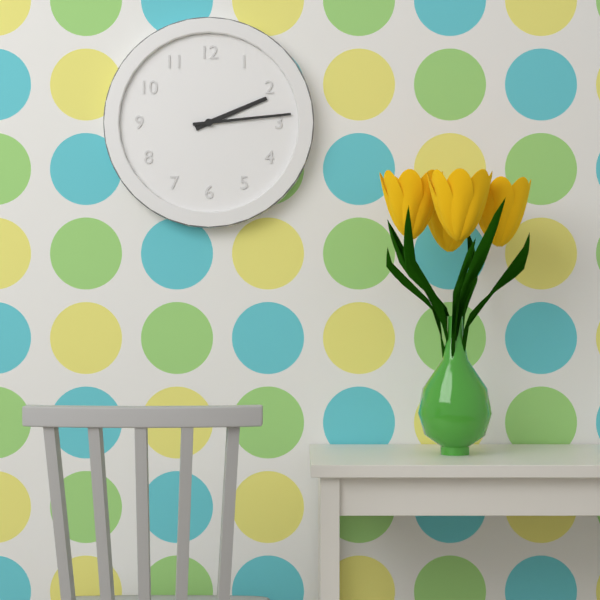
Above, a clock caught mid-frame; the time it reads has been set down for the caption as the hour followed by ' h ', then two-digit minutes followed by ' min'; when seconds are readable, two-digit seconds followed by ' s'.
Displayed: 2 h 14 min
